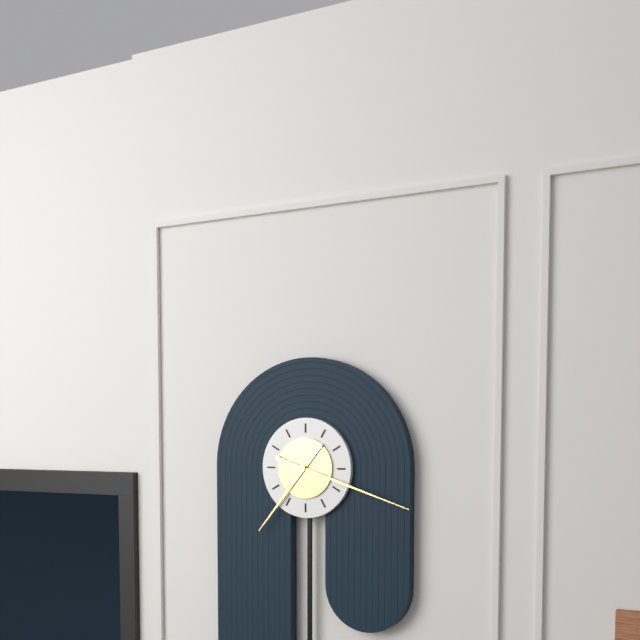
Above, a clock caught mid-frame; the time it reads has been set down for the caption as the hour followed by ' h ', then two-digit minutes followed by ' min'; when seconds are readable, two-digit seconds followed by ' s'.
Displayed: 7 h 18 min
